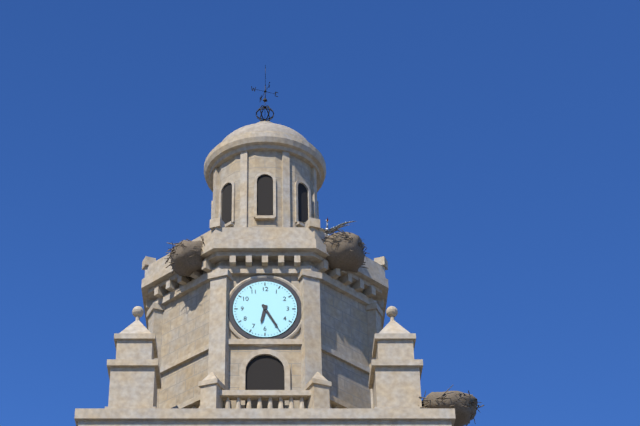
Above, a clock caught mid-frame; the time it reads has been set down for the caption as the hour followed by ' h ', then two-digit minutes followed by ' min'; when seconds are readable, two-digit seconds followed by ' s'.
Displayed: 6 h 25 min
